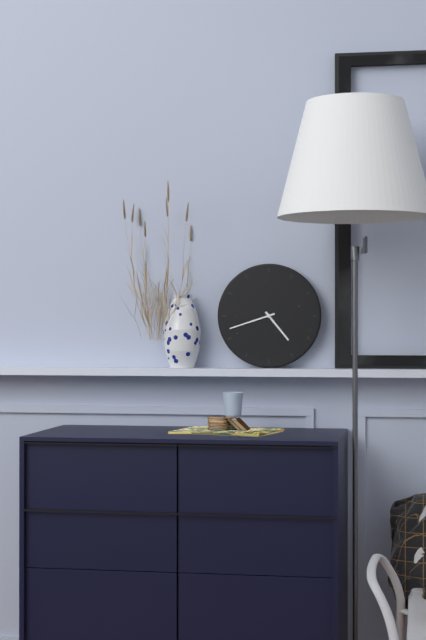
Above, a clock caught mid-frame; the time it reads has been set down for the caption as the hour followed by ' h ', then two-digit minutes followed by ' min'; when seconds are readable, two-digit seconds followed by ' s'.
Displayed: 4 h 42 min
